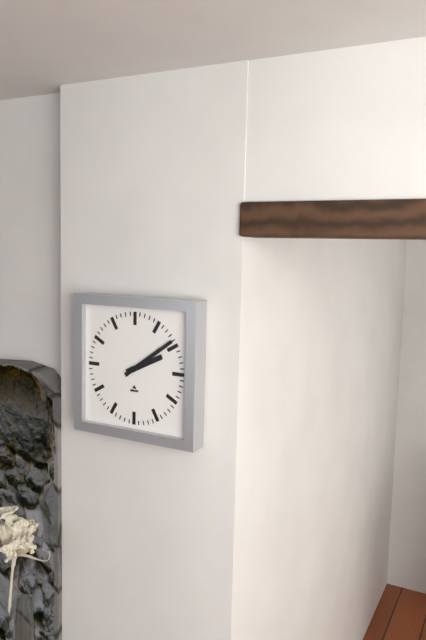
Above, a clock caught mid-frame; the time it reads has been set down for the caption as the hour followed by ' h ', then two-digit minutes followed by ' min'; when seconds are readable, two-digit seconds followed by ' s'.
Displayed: 2 h 09 min
